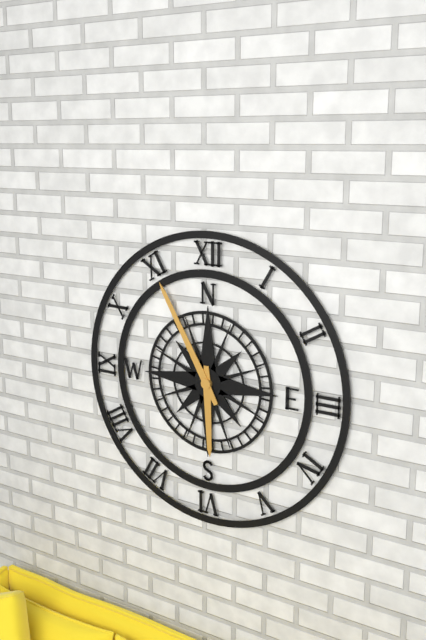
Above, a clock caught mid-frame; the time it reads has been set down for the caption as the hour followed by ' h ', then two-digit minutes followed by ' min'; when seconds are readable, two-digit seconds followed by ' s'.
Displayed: 5 h 55 min
